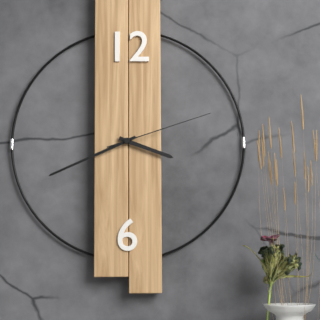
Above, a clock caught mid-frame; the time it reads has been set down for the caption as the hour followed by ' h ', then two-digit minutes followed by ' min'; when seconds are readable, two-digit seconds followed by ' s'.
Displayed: 3 h 41 min 12 s
